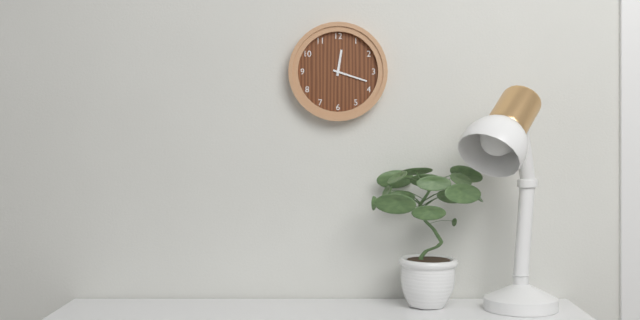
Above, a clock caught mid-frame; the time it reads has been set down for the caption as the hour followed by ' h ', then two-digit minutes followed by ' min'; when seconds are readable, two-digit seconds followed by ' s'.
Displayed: 12 h 18 min
